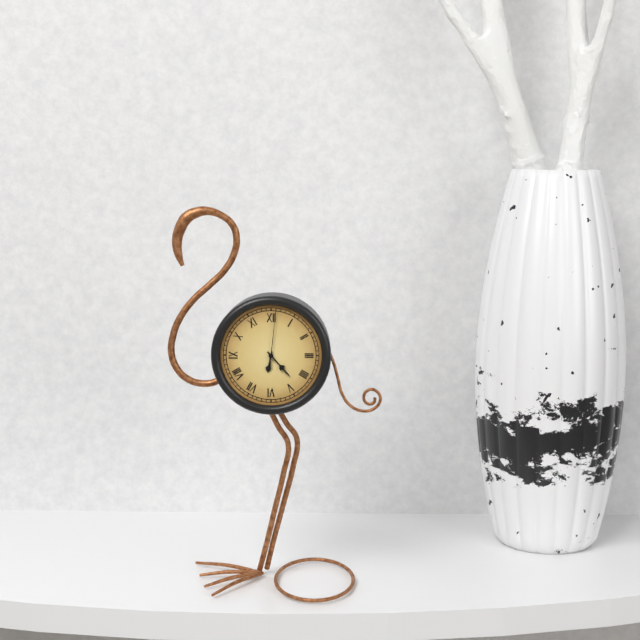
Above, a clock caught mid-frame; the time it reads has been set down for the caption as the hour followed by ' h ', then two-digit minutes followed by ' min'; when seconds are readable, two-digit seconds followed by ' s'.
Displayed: 6 h 23 min 01 s
